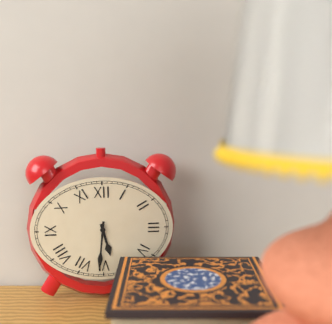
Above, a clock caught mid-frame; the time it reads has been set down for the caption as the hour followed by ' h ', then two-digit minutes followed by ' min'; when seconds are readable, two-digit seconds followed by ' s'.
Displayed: 5 h 31 min
